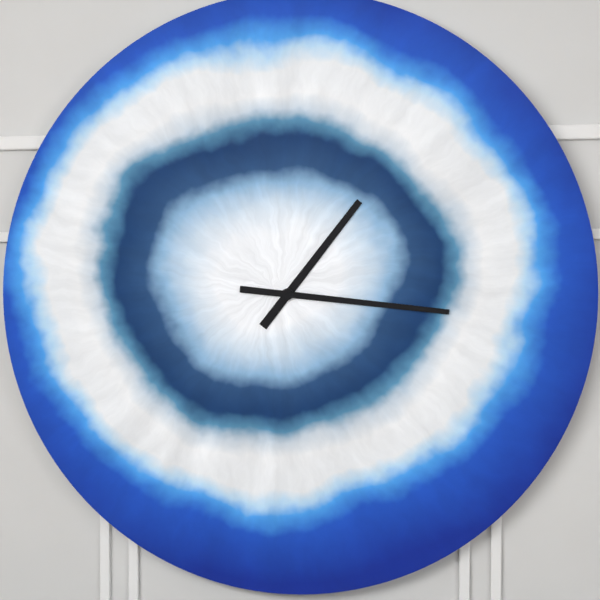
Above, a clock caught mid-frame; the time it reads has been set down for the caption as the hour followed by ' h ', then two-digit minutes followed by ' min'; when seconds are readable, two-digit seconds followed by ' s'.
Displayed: 1 h 16 min
